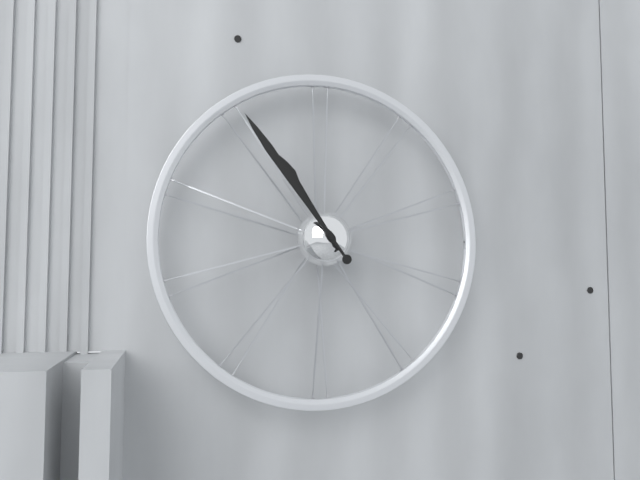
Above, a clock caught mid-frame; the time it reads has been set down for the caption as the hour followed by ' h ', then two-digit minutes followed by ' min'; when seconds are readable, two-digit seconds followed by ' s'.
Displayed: 10 h 54 min
